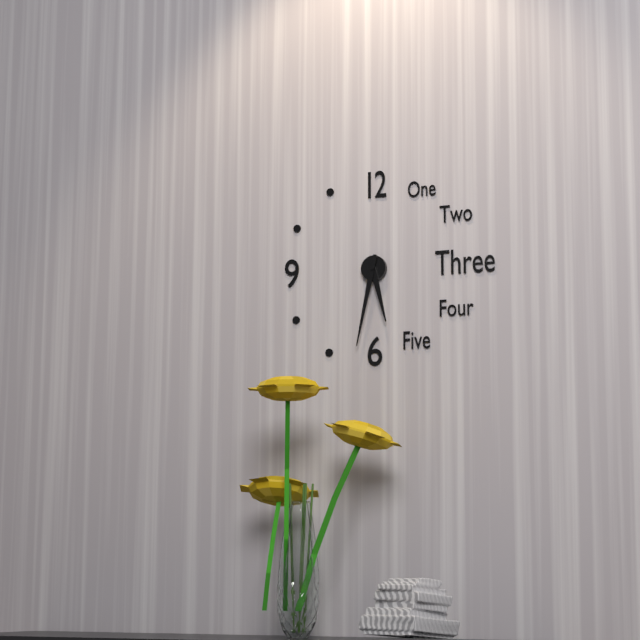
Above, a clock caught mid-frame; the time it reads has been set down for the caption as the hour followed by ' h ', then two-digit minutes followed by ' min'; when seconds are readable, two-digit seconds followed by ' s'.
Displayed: 5 h 32 min
